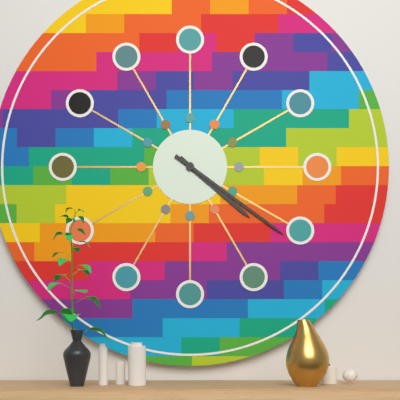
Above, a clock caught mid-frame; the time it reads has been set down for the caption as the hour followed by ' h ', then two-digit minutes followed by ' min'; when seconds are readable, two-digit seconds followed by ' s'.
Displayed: 4 h 21 min
